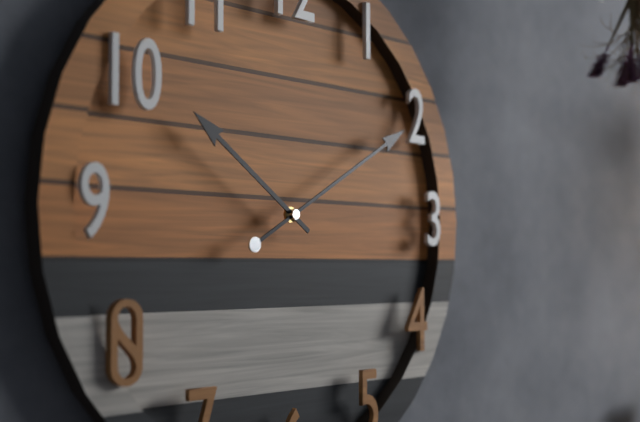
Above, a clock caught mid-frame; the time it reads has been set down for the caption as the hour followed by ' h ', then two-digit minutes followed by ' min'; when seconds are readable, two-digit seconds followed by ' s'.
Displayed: 10 h 10 min
